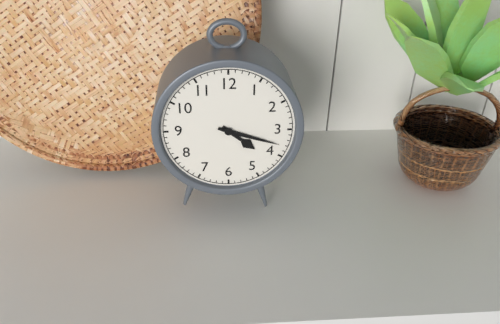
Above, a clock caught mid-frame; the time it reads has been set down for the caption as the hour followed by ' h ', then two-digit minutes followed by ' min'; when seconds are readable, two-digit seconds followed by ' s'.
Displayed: 4 h 18 min
